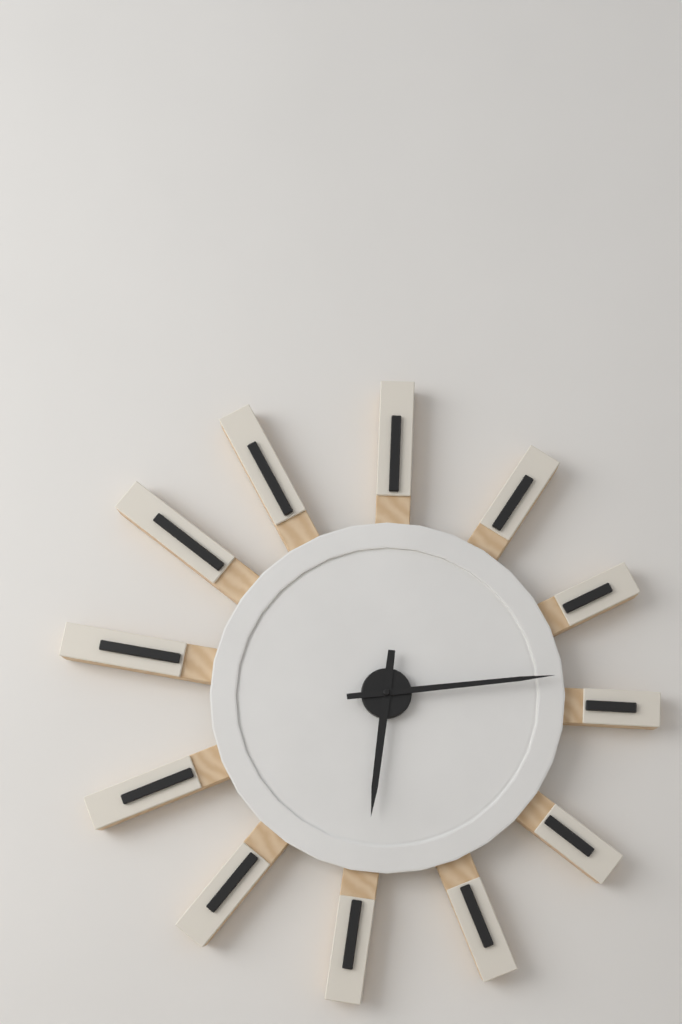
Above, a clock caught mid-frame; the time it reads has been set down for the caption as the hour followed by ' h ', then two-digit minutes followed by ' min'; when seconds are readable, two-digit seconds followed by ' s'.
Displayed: 6 h 14 min
